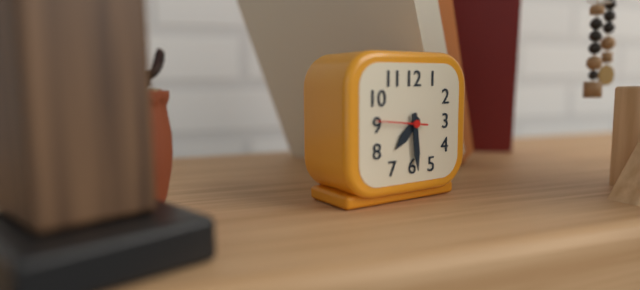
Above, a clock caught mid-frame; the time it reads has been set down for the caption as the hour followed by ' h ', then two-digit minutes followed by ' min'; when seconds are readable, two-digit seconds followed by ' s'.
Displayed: 7 h 29 min
